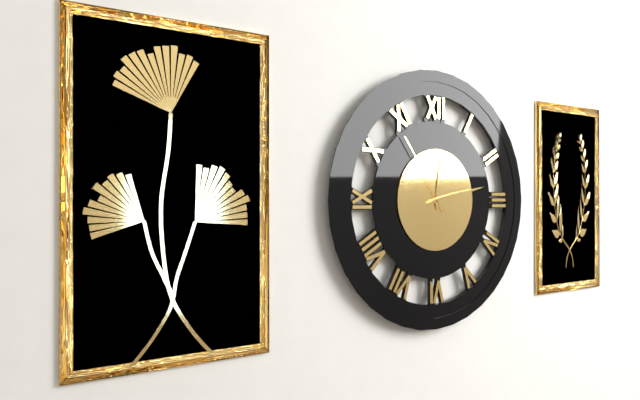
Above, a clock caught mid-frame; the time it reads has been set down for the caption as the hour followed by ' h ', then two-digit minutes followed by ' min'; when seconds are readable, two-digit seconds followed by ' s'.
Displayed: 12 h 13 min 54 s
